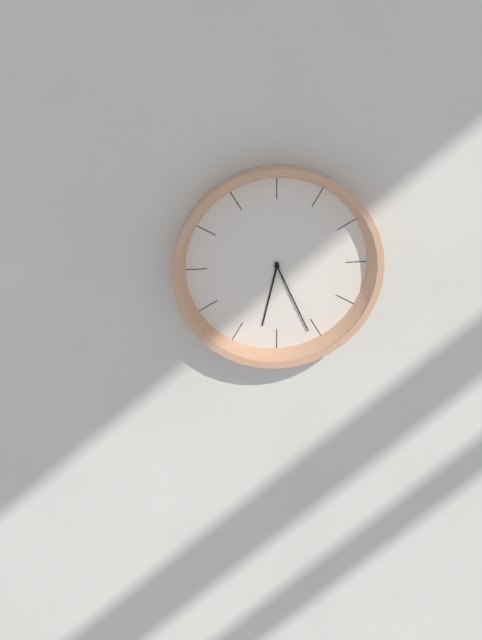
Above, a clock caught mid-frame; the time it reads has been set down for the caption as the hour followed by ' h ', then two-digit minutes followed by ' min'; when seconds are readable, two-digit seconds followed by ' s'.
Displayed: 6 h 26 min
